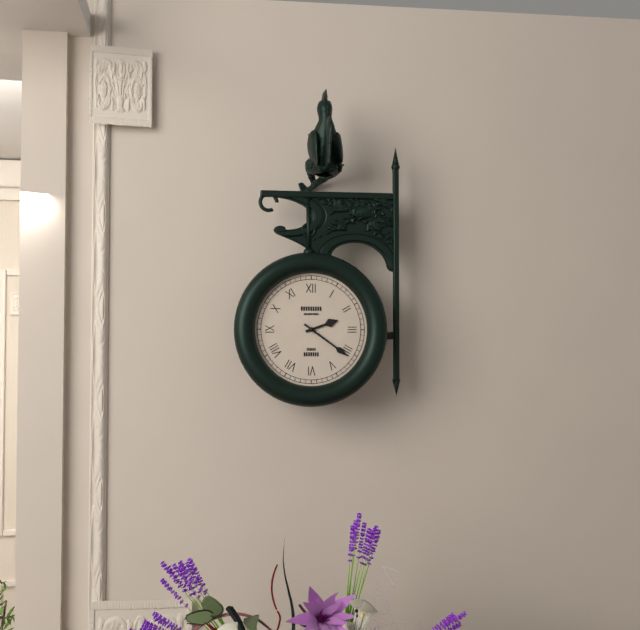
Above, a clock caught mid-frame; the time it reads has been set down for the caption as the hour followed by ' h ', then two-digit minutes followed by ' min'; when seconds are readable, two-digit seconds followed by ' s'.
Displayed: 2 h 21 min
